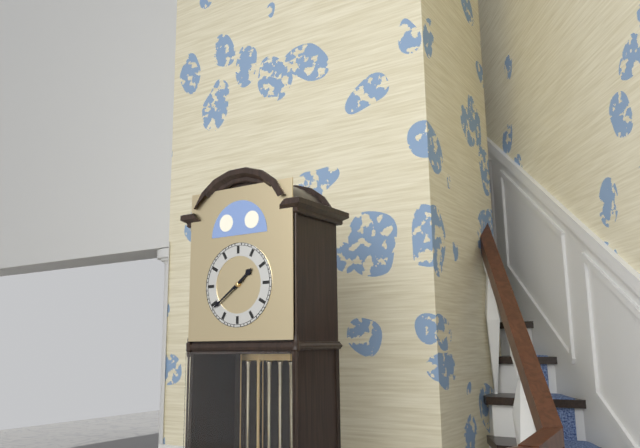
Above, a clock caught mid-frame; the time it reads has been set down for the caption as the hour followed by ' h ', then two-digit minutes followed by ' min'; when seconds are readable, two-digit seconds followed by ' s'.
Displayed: 1 h 39 min
